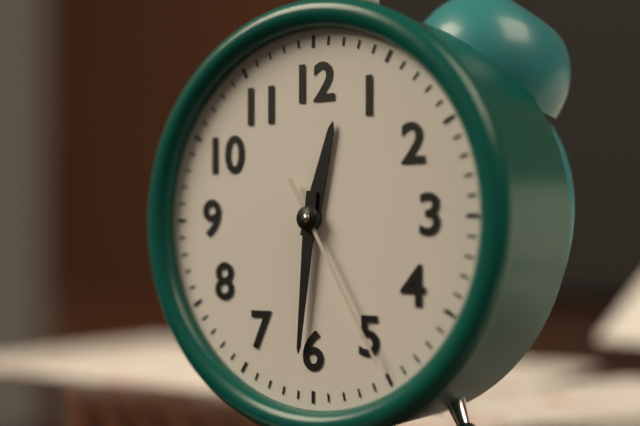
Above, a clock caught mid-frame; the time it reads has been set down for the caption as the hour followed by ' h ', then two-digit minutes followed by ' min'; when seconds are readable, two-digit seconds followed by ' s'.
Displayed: 12 h 31 min 25 s
